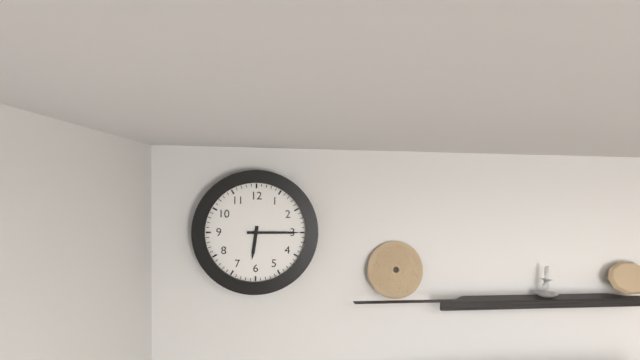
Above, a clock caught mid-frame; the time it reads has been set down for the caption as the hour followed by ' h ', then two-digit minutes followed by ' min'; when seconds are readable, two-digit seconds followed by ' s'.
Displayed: 6 h 15 min
